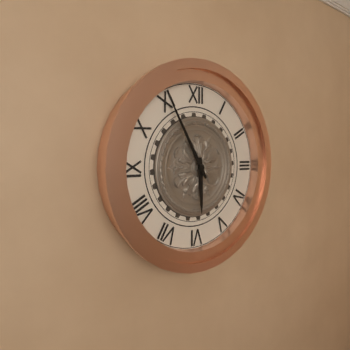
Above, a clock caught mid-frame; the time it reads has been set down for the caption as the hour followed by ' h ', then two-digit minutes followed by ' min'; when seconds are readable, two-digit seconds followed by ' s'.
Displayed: 5 h 55 min
